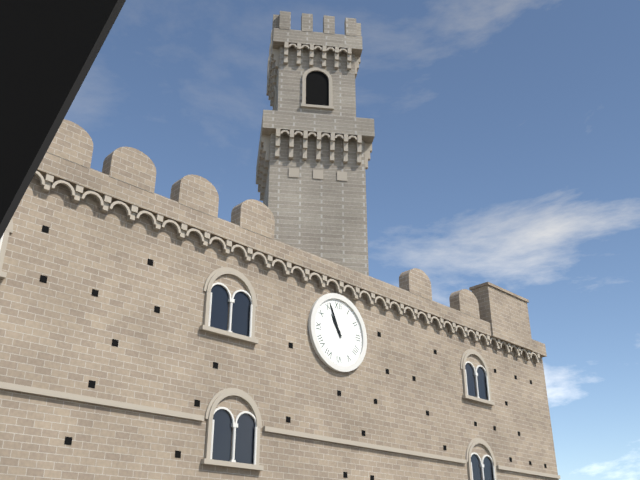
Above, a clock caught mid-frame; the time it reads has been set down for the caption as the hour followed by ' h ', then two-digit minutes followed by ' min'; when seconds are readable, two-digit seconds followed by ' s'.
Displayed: 10 h 56 min
